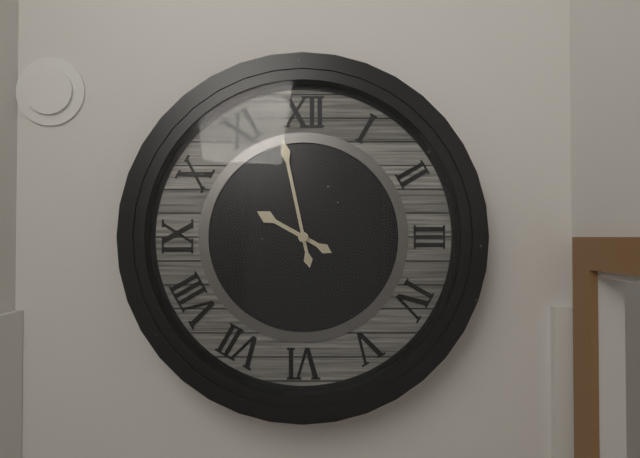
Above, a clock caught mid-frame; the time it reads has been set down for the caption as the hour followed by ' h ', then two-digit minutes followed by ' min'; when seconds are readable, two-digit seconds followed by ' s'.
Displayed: 9 h 58 min
